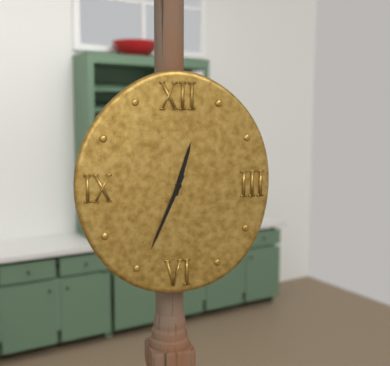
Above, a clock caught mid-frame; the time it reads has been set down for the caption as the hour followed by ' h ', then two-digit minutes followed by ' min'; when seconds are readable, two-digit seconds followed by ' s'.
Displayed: 12 h 34 min
